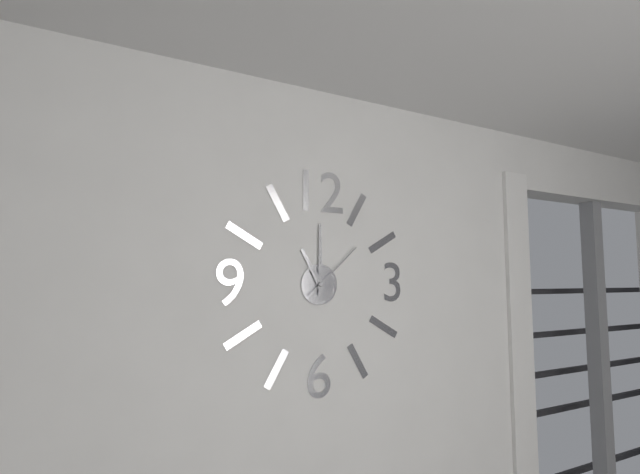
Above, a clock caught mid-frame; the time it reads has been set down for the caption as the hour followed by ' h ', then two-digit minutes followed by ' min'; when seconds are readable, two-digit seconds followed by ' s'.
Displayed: 11 h 00 min 08 s
